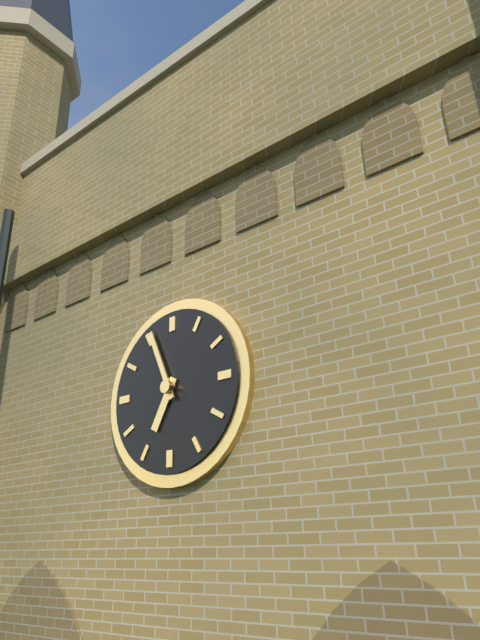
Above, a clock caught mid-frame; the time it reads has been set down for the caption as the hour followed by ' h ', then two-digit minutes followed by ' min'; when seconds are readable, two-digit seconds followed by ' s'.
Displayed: 6 h 56 min
